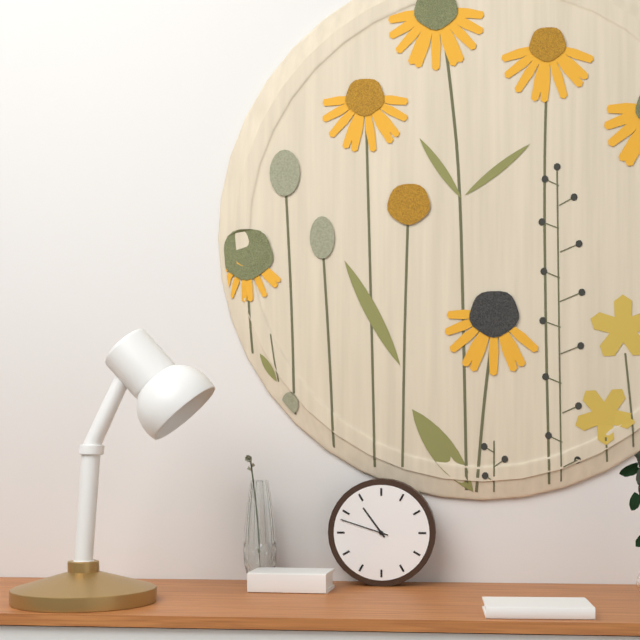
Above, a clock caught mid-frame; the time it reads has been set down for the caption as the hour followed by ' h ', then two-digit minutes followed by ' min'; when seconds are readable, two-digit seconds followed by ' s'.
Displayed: 10 h 48 min
